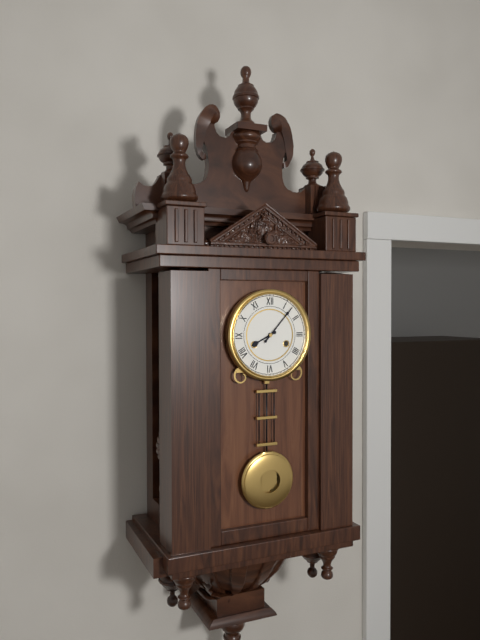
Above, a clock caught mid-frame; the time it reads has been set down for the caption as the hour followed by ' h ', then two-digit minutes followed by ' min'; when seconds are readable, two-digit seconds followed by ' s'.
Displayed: 8 h 07 min
